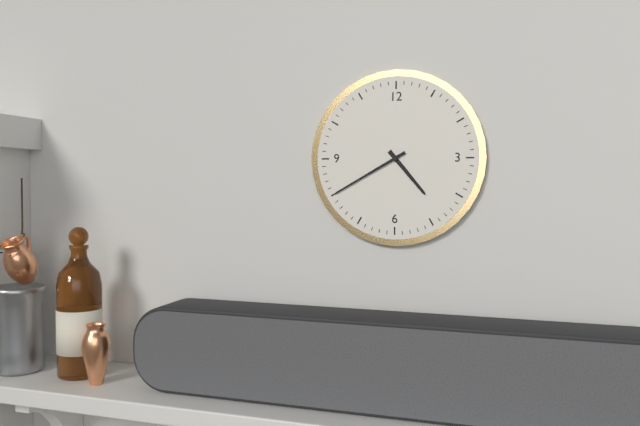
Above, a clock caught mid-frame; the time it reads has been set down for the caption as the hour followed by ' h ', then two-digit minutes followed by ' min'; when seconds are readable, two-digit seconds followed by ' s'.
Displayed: 4 h 40 min
